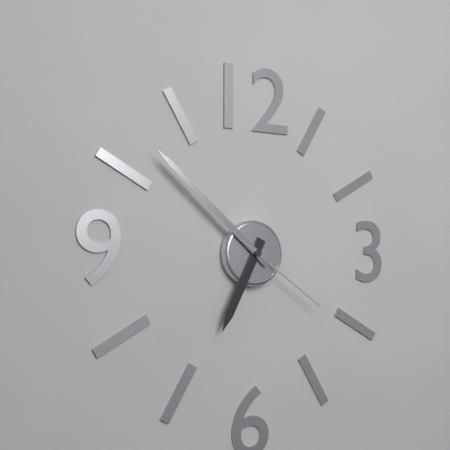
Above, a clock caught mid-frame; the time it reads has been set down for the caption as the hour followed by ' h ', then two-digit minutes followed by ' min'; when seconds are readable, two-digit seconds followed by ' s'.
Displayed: 6 h 52 min 21 s
